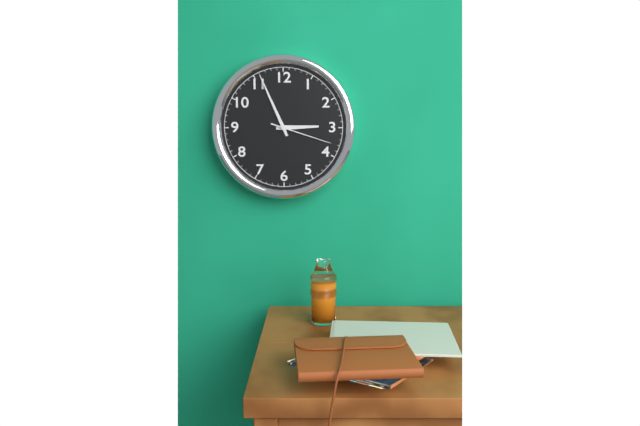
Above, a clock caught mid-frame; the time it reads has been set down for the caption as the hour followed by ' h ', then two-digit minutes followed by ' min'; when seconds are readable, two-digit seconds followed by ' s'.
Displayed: 2 h 56 min 18 s
